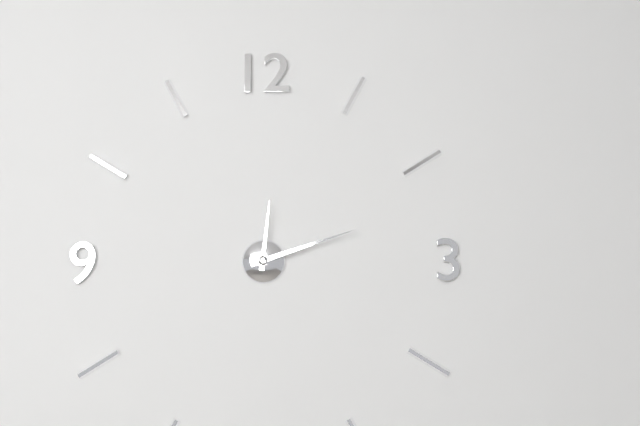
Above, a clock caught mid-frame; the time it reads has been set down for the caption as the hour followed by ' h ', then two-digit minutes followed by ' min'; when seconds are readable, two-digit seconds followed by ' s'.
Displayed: 12 h 12 min
